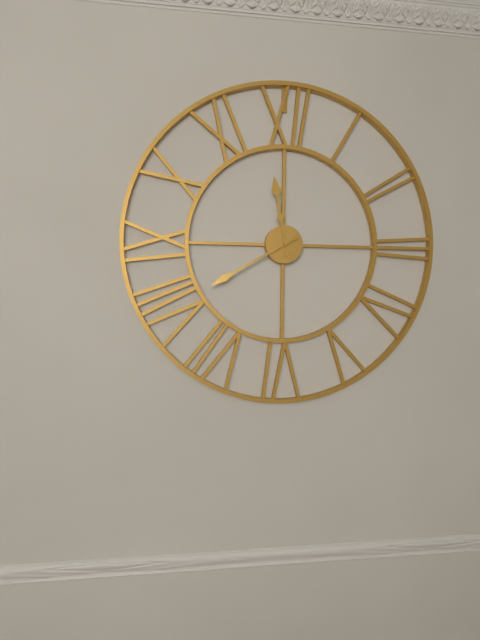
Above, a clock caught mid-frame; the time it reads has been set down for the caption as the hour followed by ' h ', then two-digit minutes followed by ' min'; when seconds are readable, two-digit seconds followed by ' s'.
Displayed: 11 h 40 min
